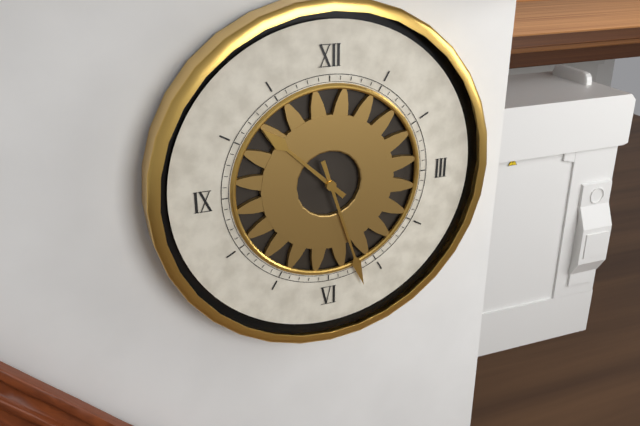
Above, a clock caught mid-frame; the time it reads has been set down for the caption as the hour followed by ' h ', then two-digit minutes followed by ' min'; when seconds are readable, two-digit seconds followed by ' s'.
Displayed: 10 h 27 min
